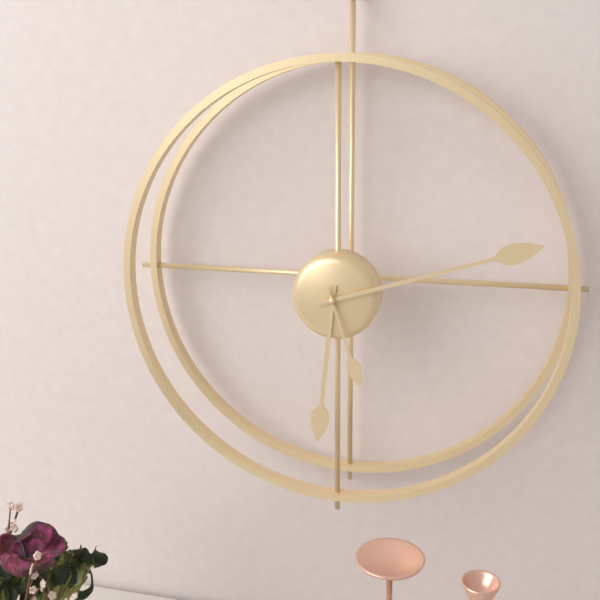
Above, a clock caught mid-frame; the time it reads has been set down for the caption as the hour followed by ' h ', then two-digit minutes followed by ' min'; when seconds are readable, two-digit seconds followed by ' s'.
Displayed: 6 h 12 min 27 s
